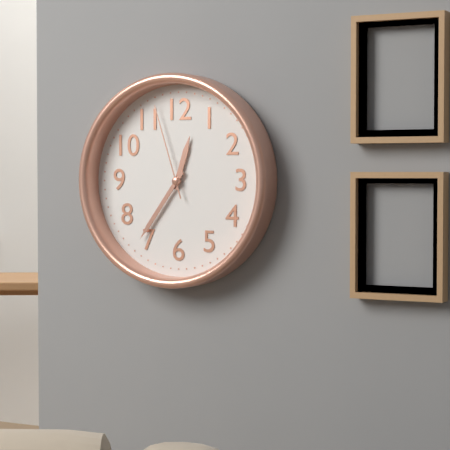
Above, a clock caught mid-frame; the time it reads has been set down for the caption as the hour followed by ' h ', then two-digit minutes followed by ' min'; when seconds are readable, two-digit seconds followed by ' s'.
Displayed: 12 h 36 min 57 s
